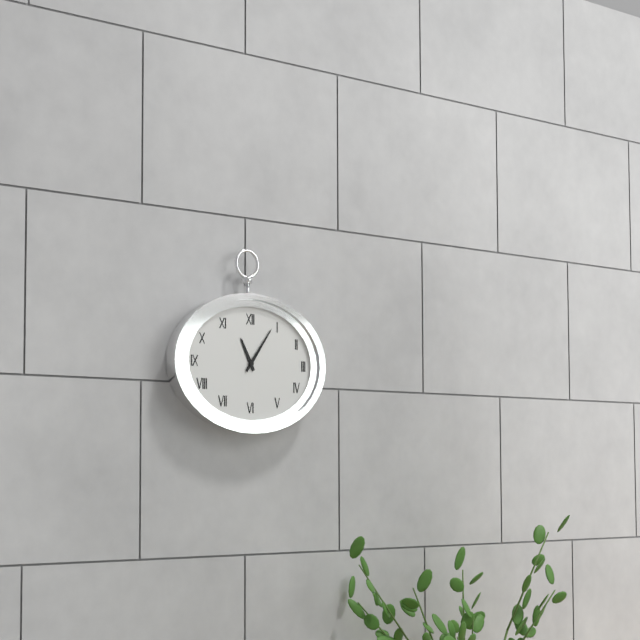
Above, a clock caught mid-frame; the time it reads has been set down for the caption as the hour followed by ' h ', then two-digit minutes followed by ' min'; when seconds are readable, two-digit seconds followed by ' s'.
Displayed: 11 h 06 min
